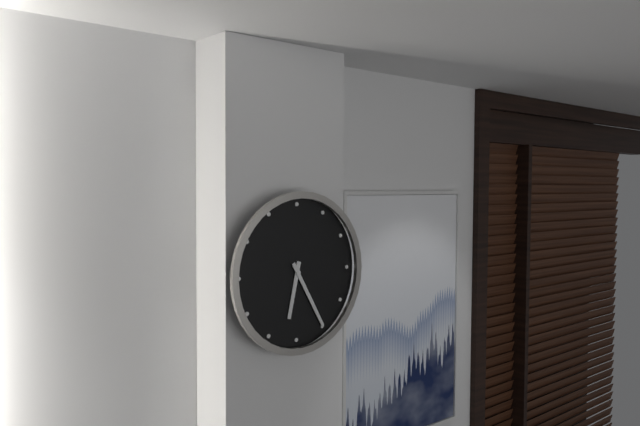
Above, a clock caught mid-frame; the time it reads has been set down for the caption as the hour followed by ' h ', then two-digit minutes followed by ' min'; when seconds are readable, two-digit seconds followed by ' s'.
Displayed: 6 h 25 min
